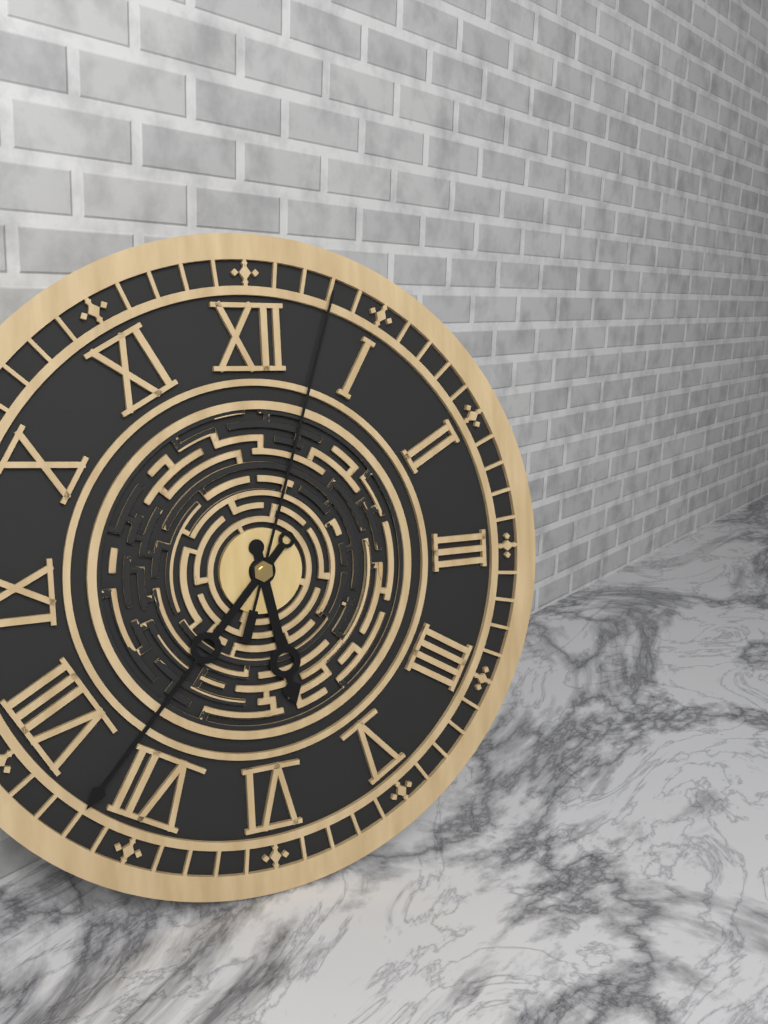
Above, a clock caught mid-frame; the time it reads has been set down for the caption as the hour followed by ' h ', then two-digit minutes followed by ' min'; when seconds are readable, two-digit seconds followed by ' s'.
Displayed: 5 h 37 min 03 s
